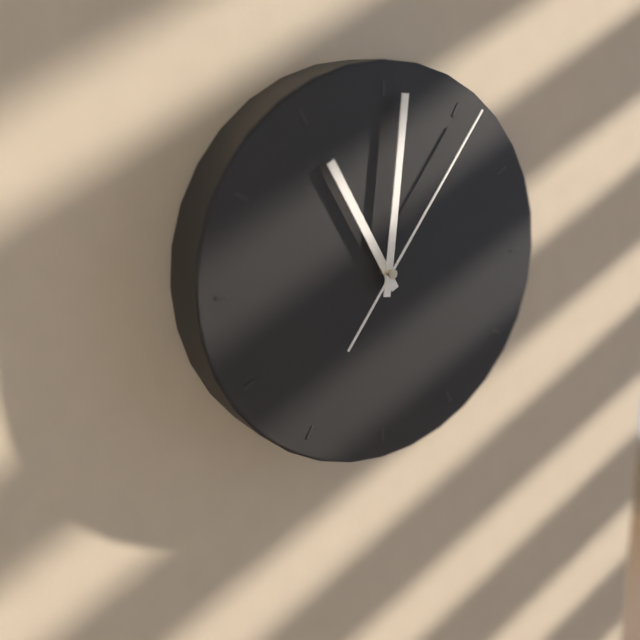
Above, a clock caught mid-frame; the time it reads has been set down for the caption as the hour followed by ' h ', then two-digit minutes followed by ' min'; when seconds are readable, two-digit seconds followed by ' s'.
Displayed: 11 h 01 min 06 s
